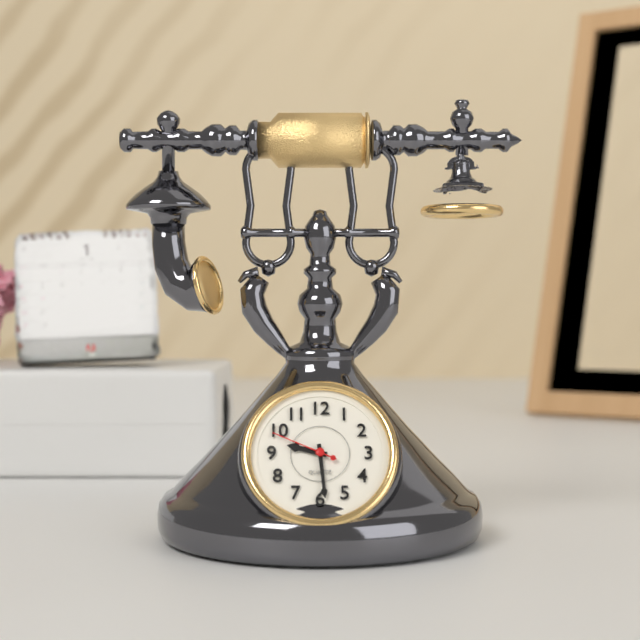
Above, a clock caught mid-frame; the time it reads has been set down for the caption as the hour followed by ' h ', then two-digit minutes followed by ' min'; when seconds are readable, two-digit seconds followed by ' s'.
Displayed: 9 h 29 min 49 s
